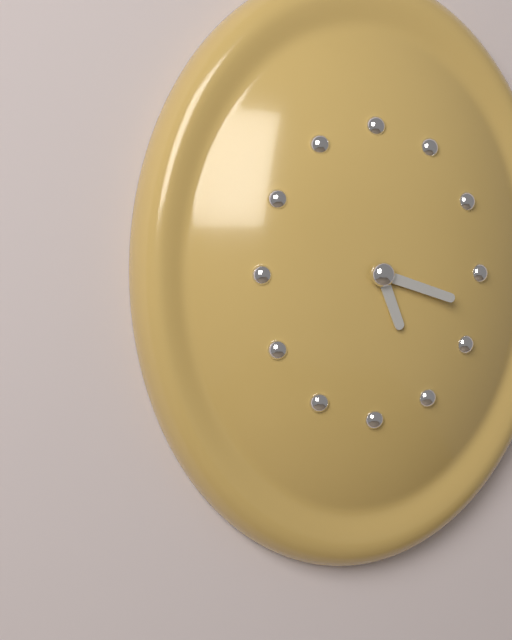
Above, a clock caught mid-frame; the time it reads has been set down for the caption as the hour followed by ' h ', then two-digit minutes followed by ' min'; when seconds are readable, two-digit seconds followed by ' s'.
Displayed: 5 h 18 min
